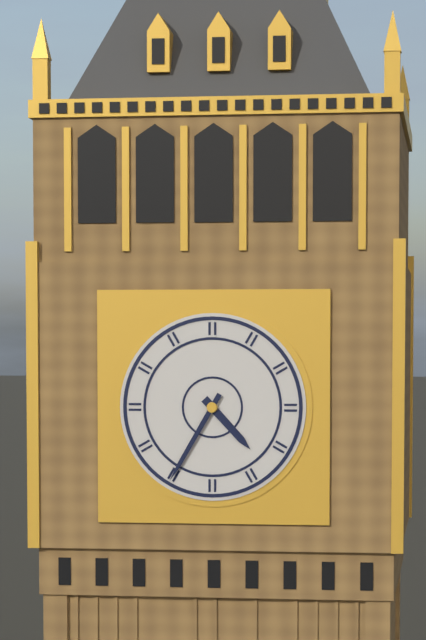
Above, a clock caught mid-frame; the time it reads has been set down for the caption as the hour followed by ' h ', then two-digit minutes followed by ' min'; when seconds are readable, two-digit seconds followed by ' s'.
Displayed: 4 h 35 min
